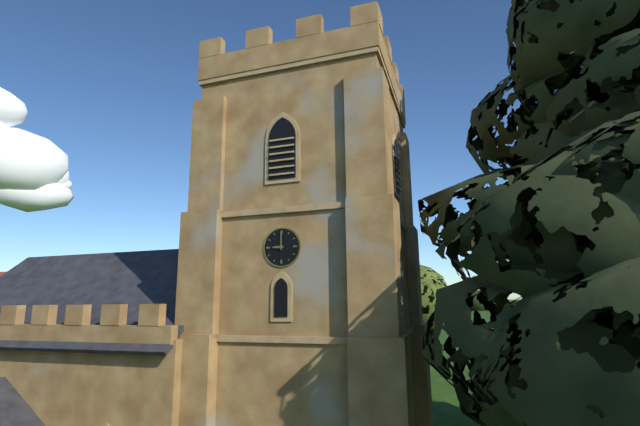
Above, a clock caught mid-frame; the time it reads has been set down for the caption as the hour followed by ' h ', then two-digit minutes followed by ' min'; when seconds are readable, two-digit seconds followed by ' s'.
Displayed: 9 h 00 min
